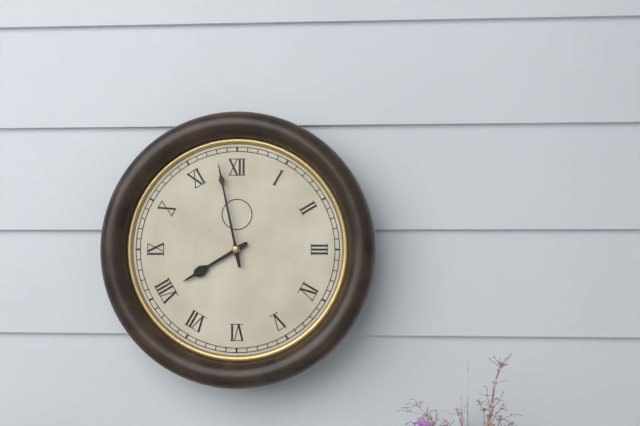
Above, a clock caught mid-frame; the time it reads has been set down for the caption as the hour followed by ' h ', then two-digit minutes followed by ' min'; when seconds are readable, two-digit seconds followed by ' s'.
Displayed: 7 h 58 min
